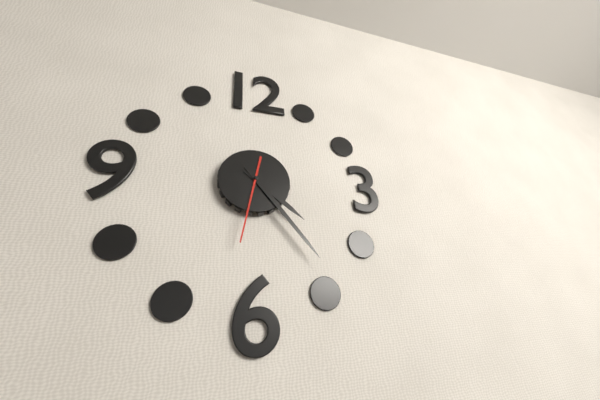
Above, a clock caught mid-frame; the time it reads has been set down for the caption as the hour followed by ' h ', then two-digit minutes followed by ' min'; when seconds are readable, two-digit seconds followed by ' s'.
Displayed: 4 h 24 min 32 s
